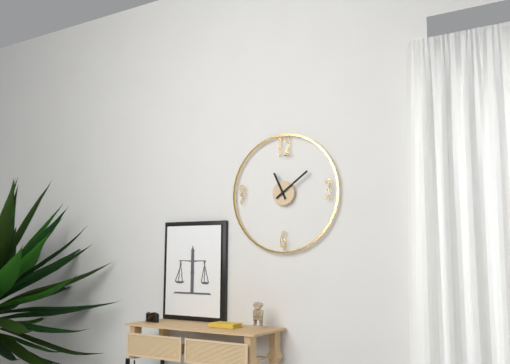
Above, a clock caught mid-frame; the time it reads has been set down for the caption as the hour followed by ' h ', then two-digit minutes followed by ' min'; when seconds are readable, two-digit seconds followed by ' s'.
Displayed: 11 h 09 min
